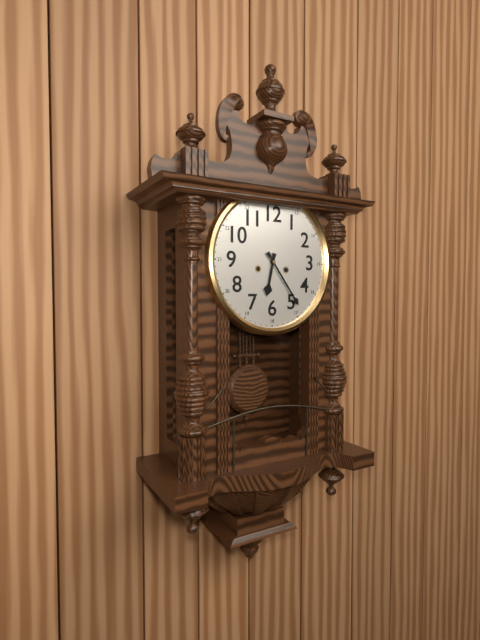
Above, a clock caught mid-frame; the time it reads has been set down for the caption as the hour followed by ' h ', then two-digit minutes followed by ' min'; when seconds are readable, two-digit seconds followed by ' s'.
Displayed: 6 h 24 min
